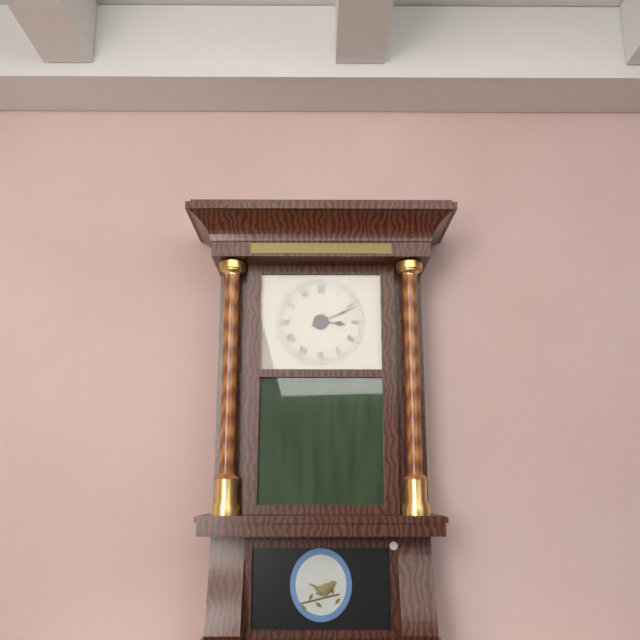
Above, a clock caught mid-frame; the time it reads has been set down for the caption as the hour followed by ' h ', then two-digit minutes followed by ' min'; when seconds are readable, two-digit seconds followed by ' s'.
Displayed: 3 h 11 min
